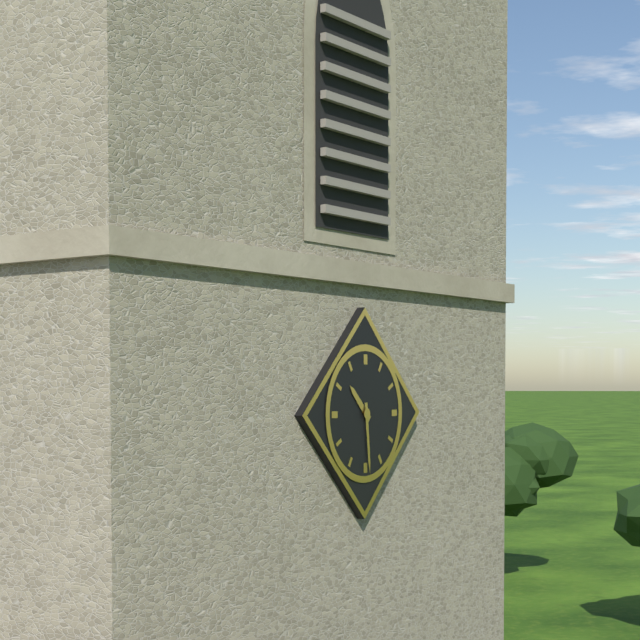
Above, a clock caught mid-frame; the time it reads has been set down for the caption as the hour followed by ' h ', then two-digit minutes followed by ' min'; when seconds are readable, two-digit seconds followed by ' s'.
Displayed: 10 h 29 min
